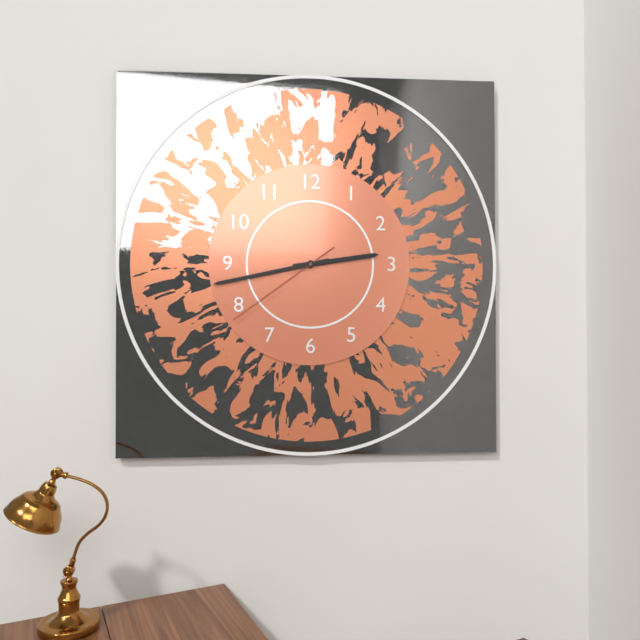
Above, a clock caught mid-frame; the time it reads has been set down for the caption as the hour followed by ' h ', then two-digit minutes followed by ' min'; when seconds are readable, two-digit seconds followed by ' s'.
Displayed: 2 h 43 min 39 s
